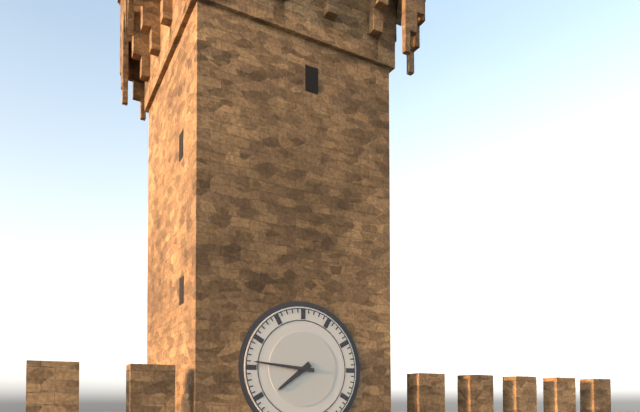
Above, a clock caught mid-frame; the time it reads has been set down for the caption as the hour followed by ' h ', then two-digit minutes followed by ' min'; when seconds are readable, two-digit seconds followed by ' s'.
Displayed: 7 h 46 min
